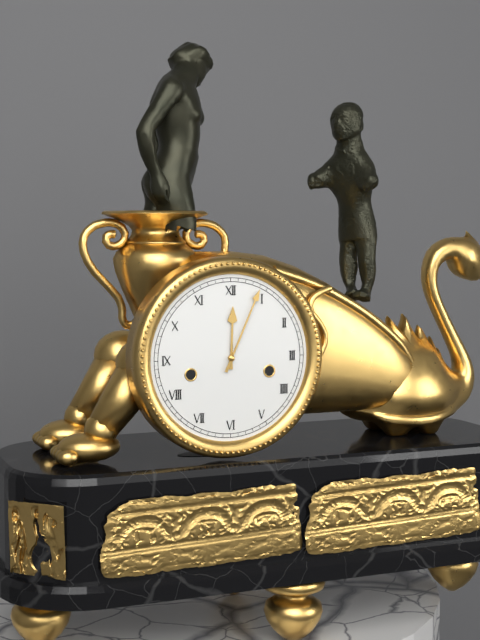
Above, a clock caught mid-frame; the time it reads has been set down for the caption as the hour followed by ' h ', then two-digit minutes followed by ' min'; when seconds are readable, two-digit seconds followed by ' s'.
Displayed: 12 h 04 min
